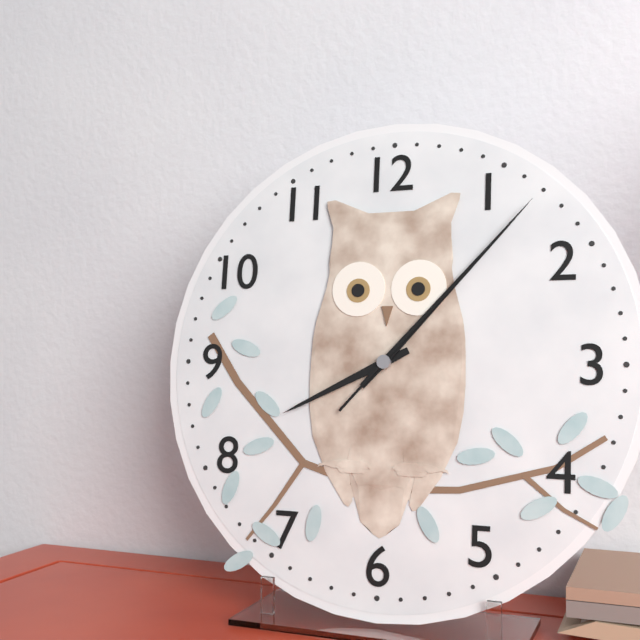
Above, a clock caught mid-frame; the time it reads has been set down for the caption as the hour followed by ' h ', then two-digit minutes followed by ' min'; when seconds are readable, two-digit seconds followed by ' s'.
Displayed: 8 h 07 min 07 s
